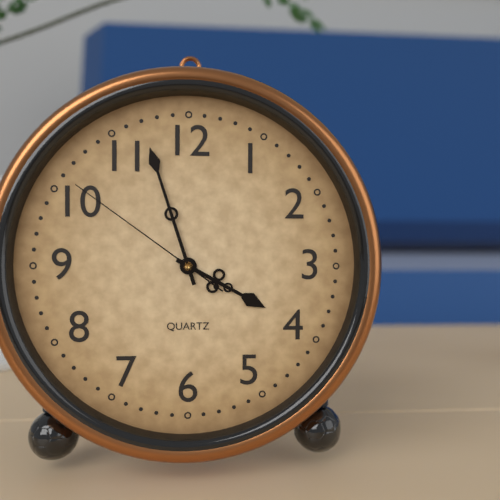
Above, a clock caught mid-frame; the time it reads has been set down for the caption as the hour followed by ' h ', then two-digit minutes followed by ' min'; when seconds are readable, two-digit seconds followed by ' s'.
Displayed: 3 h 57 min 51 s
